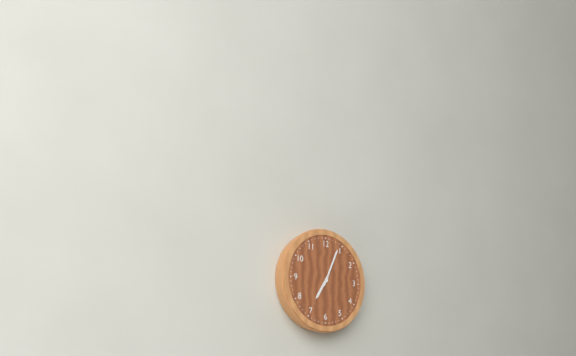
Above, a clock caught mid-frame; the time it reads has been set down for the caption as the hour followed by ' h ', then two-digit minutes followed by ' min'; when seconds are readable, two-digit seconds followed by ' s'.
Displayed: 7 h 04 min
